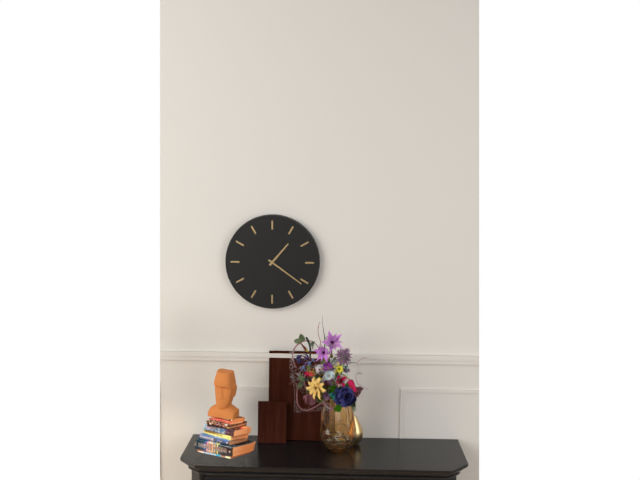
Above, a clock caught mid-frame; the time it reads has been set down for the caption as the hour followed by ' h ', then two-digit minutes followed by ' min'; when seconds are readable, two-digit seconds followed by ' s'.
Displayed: 1 h 21 min
